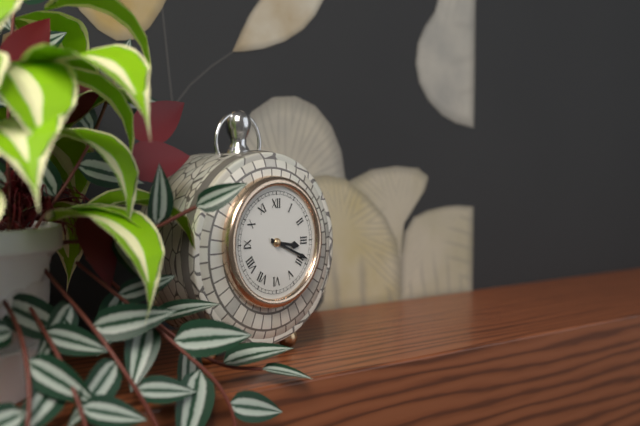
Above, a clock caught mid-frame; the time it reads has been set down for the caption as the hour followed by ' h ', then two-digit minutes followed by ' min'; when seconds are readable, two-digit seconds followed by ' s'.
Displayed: 3 h 19 min
